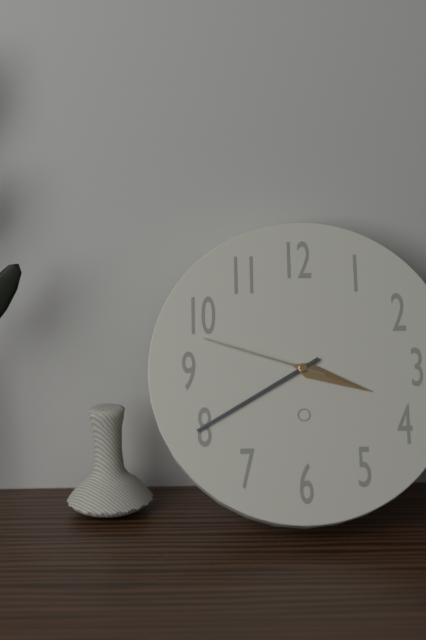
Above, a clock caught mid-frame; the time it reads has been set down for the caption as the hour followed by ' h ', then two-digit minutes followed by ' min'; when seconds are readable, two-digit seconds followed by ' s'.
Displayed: 3 h 40 min 48 s
